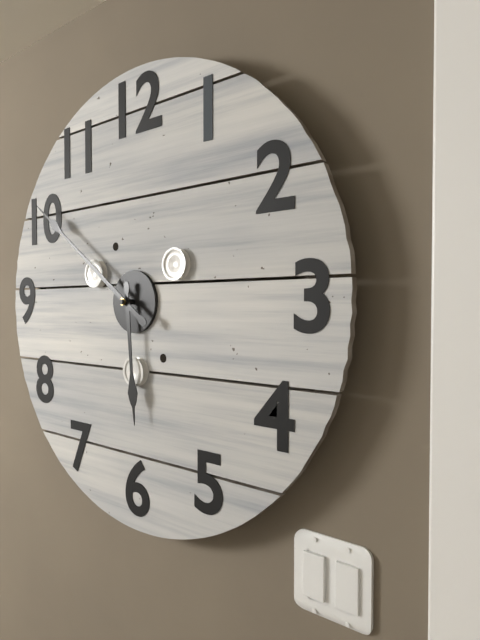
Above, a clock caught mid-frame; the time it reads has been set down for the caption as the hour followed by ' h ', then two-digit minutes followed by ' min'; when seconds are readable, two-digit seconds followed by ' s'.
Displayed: 5 h 51 min
